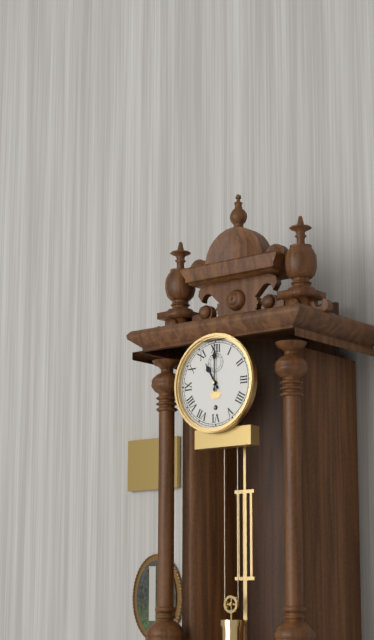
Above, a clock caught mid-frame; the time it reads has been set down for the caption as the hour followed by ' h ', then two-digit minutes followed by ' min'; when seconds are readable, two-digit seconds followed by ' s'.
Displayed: 11 h 00 min
